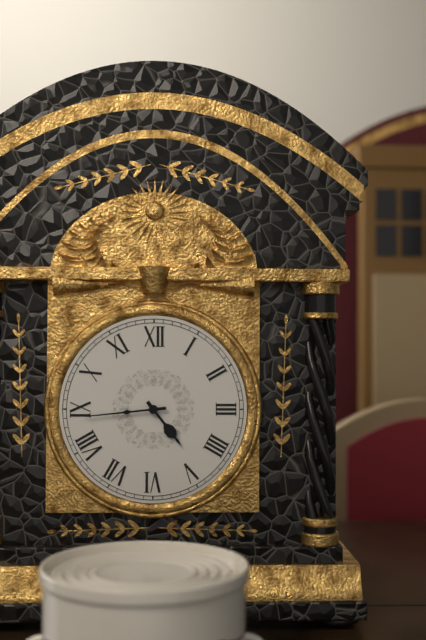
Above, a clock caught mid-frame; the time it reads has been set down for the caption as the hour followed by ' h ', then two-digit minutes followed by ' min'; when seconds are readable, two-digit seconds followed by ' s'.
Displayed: 4 h 44 min
